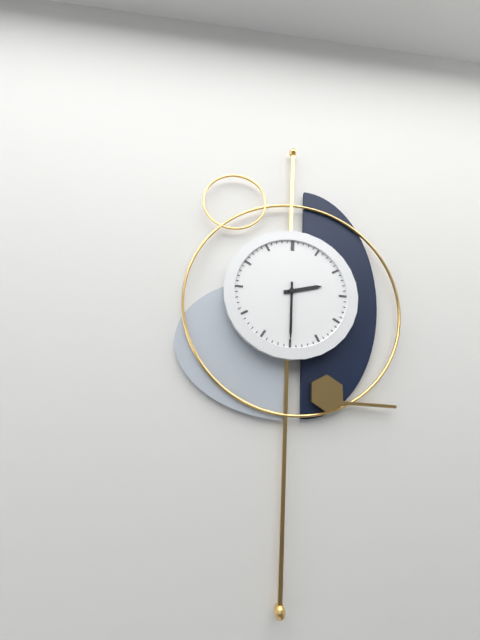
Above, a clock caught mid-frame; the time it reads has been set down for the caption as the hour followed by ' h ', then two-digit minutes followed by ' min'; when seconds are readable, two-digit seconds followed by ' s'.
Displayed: 2 h 30 min
